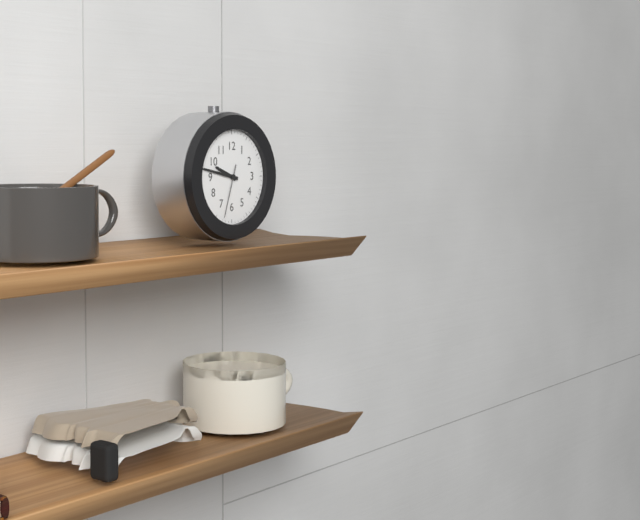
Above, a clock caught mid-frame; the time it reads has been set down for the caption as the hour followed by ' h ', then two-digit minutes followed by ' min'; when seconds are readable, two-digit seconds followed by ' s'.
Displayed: 9 h 47 min 33 s
